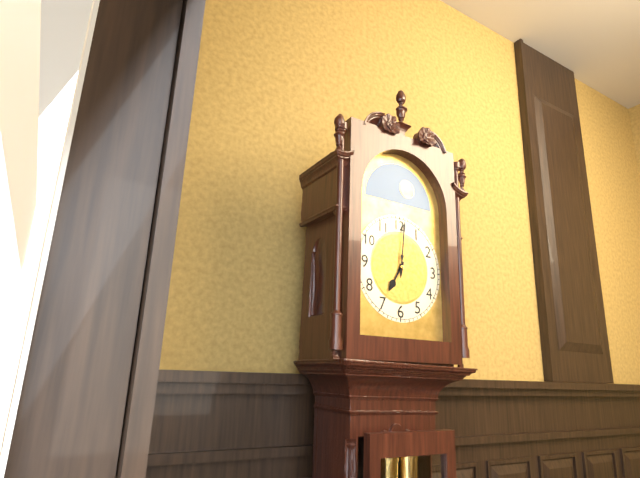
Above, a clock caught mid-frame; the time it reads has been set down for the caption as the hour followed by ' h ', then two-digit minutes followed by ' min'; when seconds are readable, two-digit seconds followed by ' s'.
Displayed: 7 h 01 min
